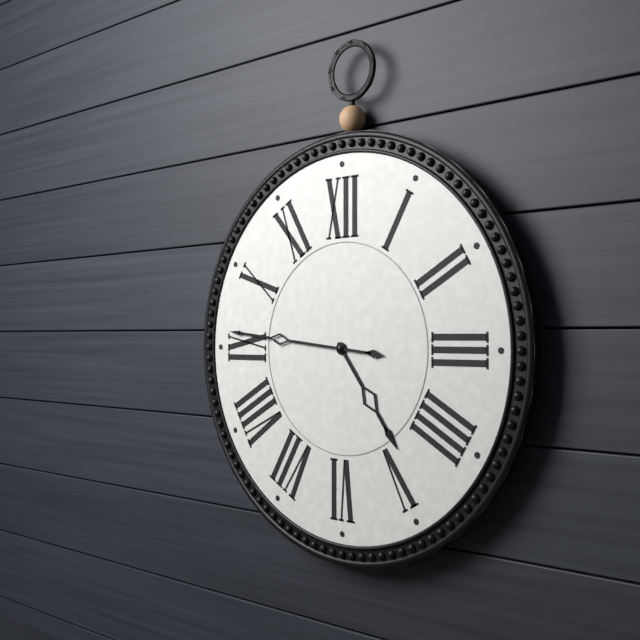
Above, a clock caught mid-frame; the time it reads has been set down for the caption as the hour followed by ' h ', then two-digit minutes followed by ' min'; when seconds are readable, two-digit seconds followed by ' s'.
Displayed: 4 h 46 min
